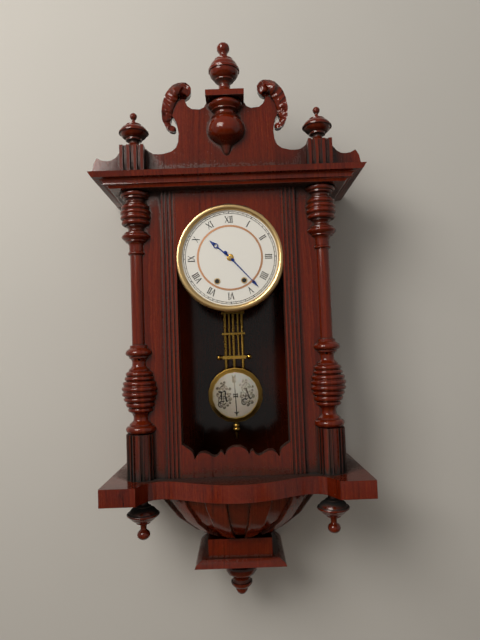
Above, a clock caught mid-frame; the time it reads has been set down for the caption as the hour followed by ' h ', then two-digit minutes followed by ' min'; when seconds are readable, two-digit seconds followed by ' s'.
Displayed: 10 h 23 min
